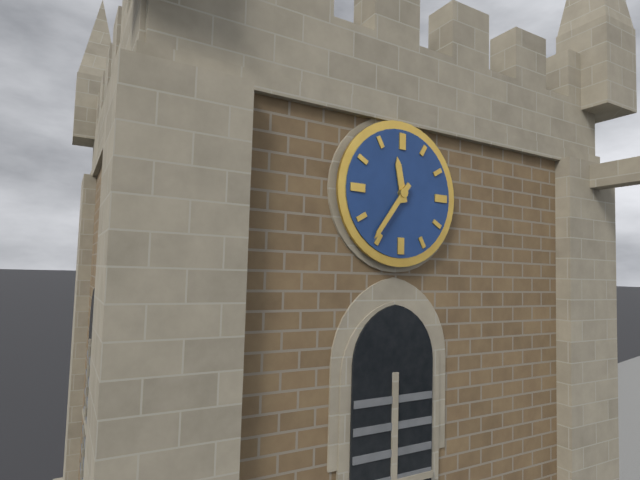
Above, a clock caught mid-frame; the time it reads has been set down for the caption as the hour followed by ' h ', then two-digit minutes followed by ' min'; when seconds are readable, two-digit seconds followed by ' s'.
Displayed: 11 h 36 min
